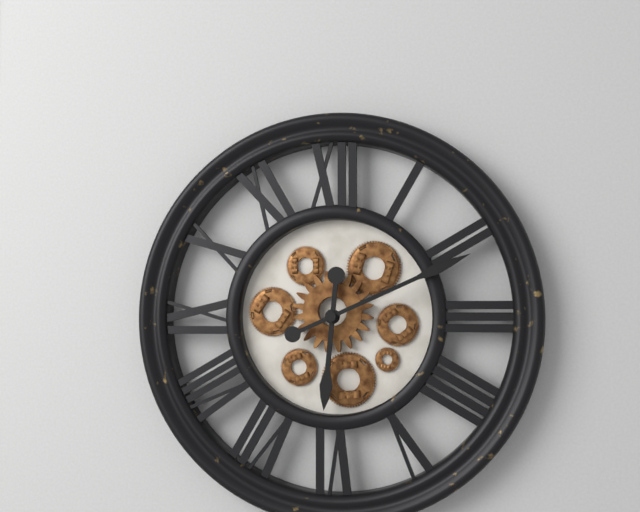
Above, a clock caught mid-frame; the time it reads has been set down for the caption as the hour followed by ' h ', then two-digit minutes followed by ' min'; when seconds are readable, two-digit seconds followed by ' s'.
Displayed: 6 h 11 min
